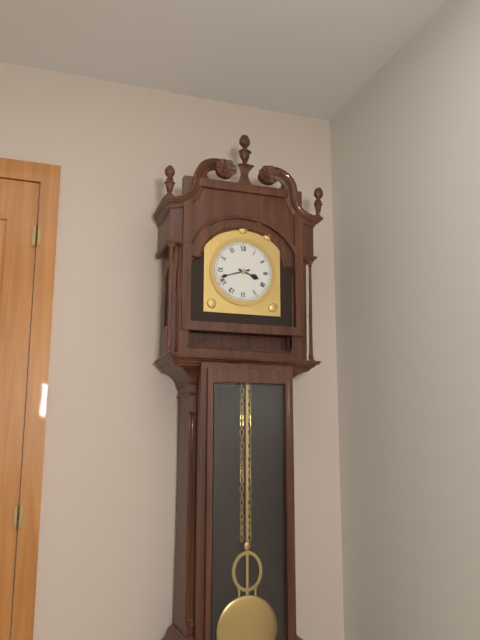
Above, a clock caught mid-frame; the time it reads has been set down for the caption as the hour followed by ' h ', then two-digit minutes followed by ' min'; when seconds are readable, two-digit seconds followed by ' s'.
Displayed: 3 h 42 min
